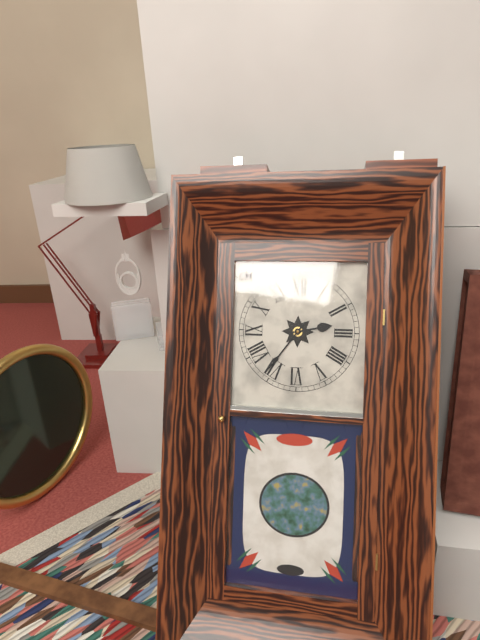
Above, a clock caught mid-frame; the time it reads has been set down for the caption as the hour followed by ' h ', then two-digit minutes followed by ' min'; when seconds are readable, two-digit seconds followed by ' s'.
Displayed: 2 h 36 min
